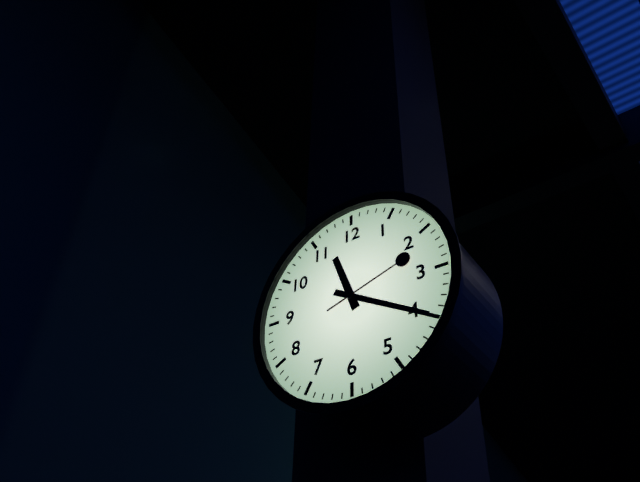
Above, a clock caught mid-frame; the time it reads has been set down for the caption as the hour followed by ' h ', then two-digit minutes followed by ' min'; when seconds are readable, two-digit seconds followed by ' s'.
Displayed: 11 h 20 min 12 s
